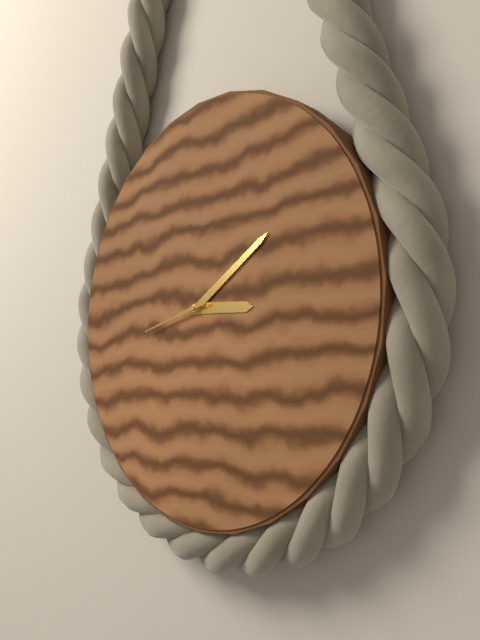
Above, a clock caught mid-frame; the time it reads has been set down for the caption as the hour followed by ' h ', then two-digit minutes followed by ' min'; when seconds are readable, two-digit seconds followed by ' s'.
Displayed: 3 h 10 min 43 s
